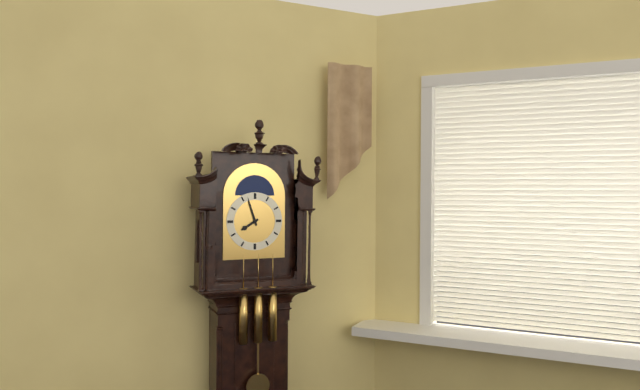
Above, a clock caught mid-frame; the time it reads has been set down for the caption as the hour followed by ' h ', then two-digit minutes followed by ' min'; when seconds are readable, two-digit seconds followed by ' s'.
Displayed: 7 h 57 min
